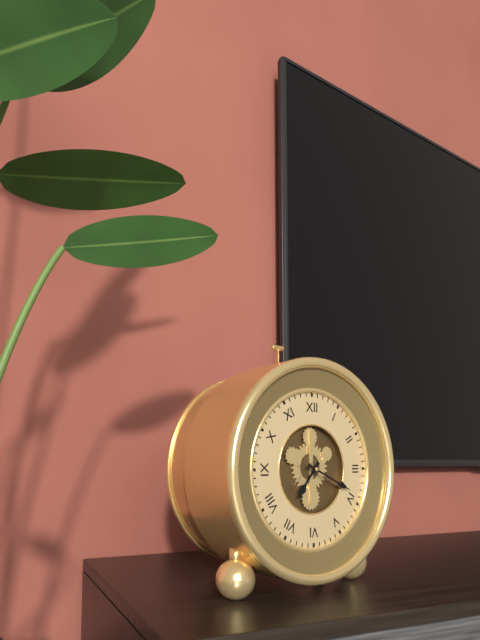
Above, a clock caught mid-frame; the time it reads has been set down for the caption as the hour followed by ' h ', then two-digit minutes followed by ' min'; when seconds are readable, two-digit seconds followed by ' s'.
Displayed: 7 h 19 min
